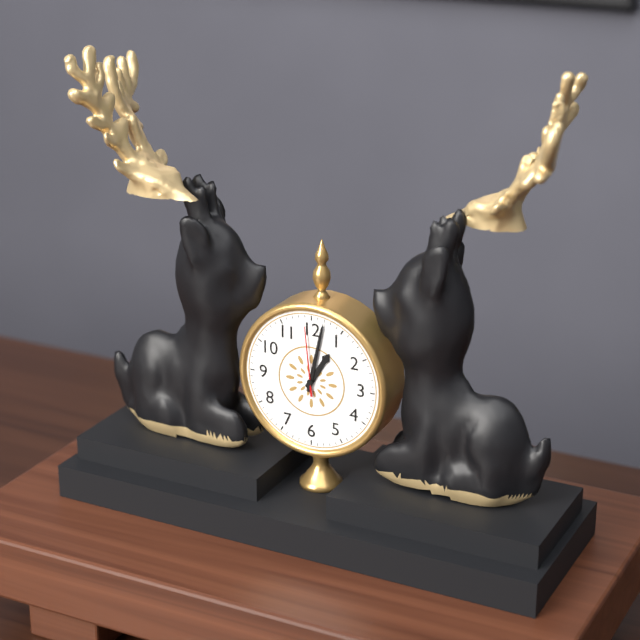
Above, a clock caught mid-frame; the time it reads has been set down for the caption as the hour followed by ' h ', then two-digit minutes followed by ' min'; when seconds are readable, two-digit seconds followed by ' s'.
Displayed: 1 h 02 min 59 s
